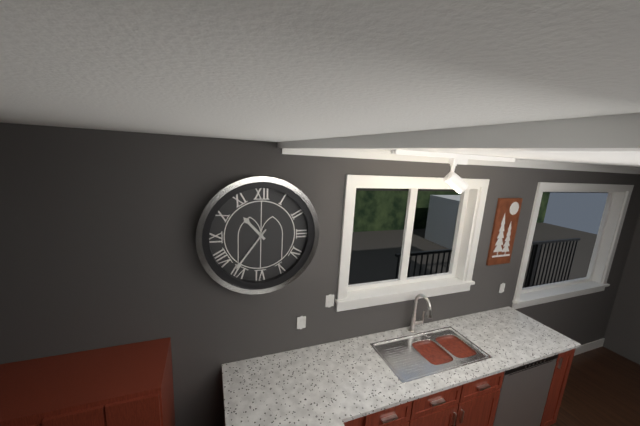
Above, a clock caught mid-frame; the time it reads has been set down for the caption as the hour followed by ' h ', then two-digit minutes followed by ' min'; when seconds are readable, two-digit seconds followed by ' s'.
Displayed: 10 h 36 min
